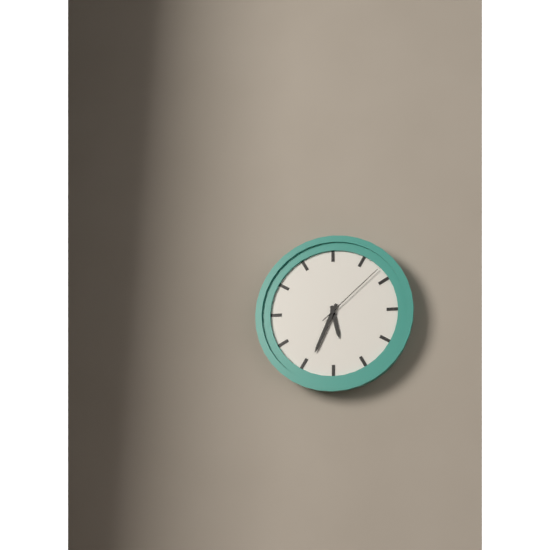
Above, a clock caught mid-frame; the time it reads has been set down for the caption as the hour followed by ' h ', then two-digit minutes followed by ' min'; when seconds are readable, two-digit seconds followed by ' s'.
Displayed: 5 h 34 min 08 s
